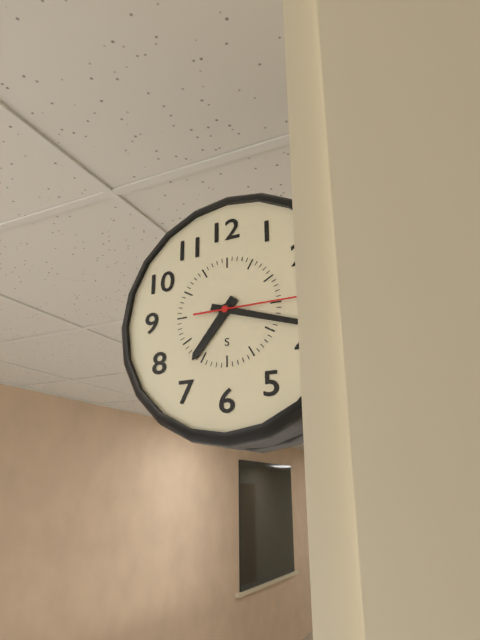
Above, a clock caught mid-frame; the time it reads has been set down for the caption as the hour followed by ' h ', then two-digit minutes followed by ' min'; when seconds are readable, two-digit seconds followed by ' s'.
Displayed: 7 h 18 min 15 s
